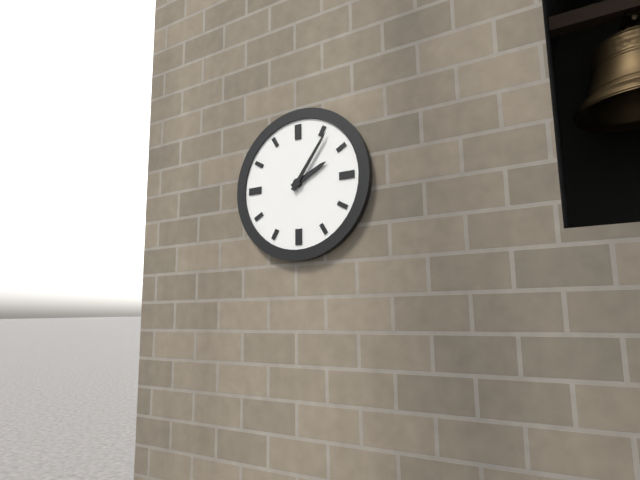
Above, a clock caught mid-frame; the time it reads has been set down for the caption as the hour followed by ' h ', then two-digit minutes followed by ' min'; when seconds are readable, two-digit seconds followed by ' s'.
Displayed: 2 h 06 min
